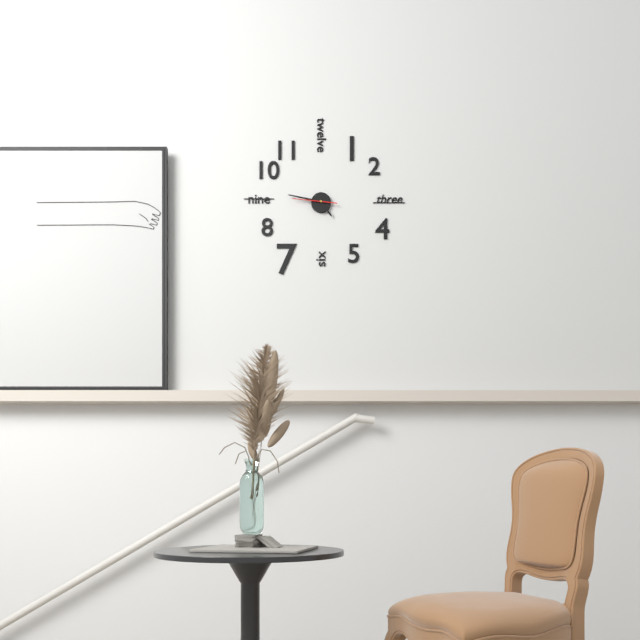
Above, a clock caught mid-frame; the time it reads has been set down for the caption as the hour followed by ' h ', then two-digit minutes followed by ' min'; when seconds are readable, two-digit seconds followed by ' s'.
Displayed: 4 h 47 min
